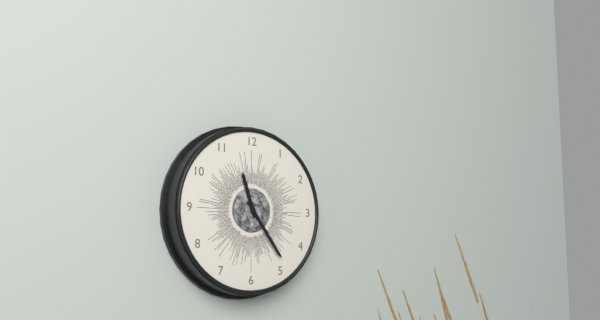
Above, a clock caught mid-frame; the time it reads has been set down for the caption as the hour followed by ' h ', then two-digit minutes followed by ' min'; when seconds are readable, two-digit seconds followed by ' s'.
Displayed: 11 h 24 min
